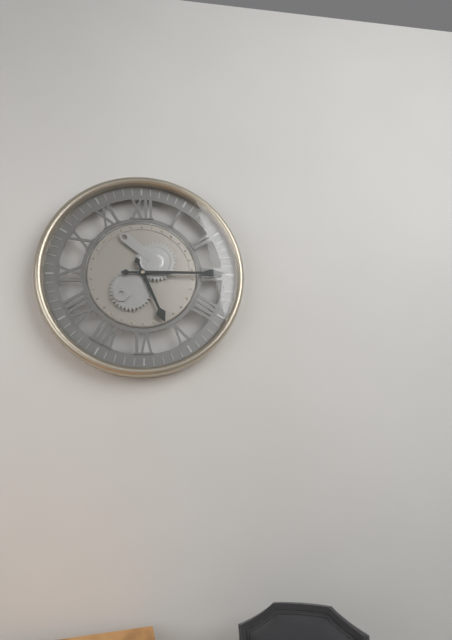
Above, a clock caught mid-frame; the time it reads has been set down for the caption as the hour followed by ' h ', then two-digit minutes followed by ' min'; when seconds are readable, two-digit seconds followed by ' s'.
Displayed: 5 h 15 min
